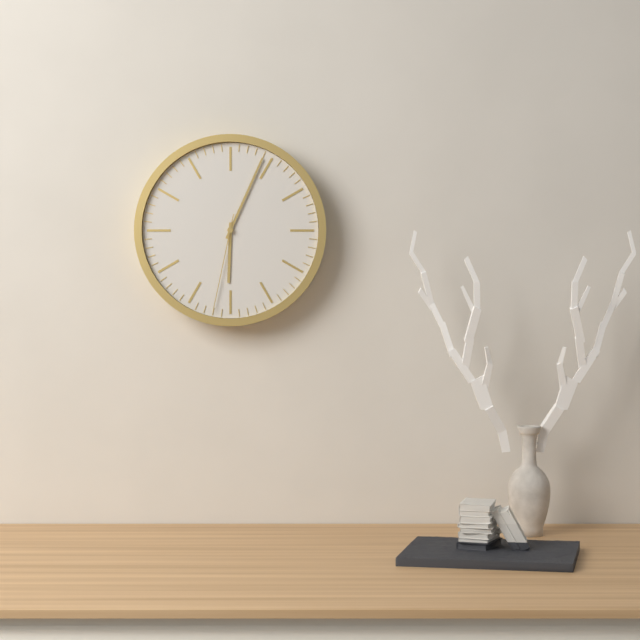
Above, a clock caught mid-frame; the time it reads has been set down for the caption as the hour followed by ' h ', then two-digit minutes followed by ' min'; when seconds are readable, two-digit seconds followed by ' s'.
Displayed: 6 h 04 min 32 s
